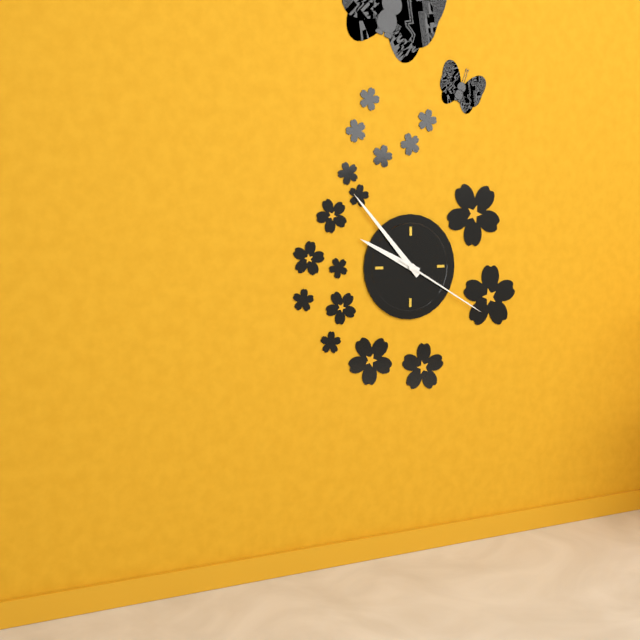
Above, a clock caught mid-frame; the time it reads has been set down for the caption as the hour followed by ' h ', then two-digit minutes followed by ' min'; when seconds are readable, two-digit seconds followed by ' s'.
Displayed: 9 h 53 min 20 s
